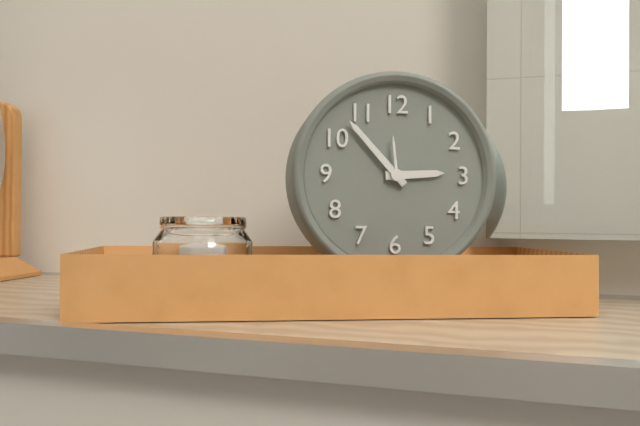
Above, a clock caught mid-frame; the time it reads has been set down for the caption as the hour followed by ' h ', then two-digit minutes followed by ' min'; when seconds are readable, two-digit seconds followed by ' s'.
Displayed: 2 h 53 min
